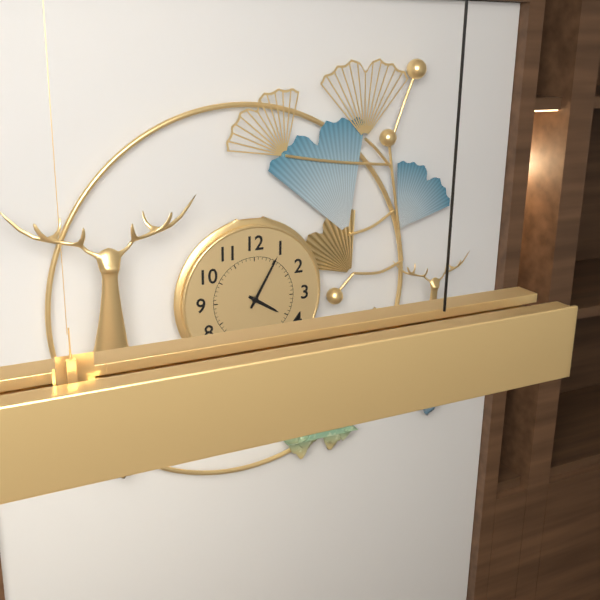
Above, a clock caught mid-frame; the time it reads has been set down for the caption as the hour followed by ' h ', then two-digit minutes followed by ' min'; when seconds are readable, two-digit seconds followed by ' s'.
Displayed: 4 h 05 min
